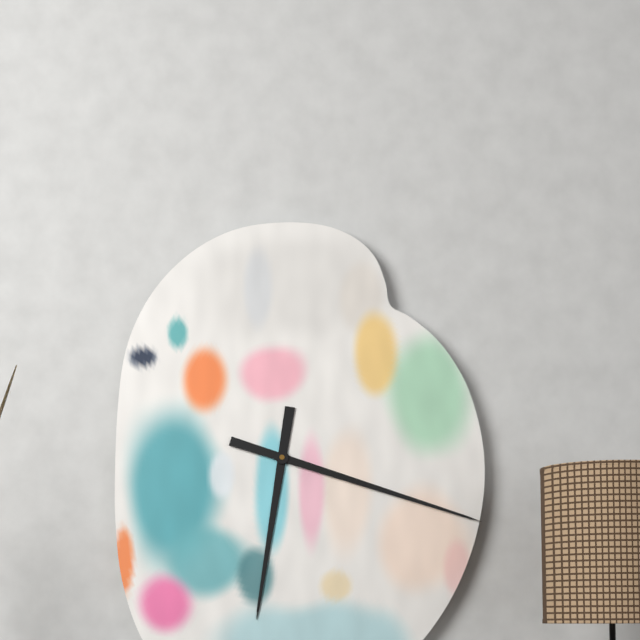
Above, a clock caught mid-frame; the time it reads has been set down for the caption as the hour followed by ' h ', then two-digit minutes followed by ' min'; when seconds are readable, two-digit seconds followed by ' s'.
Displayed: 6 h 18 min
